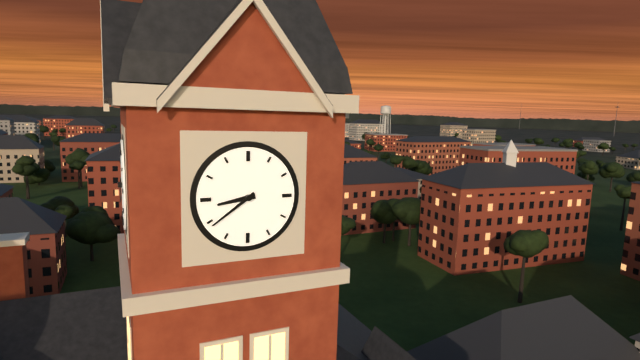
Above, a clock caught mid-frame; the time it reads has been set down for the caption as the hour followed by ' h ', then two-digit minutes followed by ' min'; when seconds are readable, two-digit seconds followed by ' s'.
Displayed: 8 h 39 min
